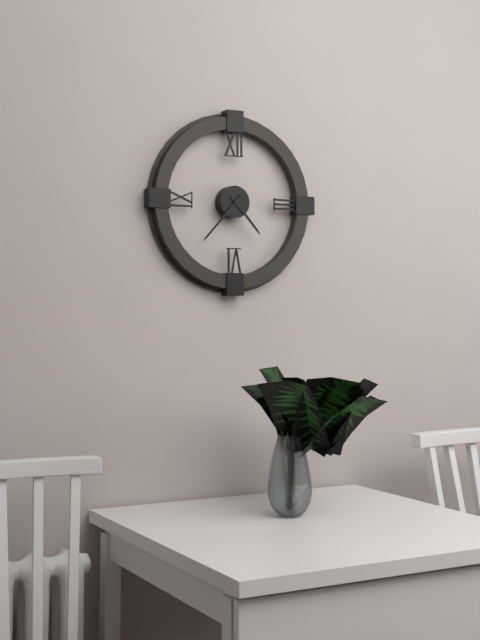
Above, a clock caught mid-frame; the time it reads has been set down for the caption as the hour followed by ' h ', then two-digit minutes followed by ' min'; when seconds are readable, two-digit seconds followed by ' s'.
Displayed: 4 h 37 min
